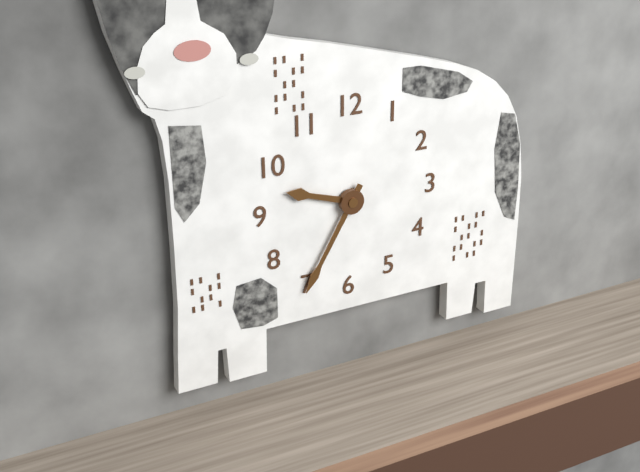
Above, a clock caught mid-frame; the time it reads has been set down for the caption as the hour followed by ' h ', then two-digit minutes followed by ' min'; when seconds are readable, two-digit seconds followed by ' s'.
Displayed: 9 h 35 min
